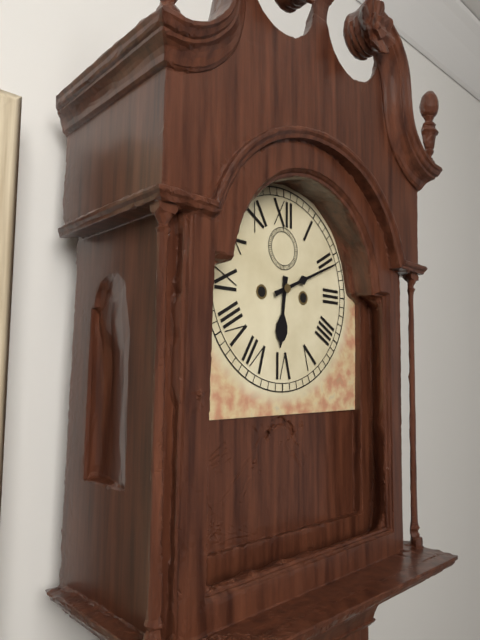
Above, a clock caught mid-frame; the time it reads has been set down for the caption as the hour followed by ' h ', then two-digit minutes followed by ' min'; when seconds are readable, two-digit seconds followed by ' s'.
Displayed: 6 h 11 min
